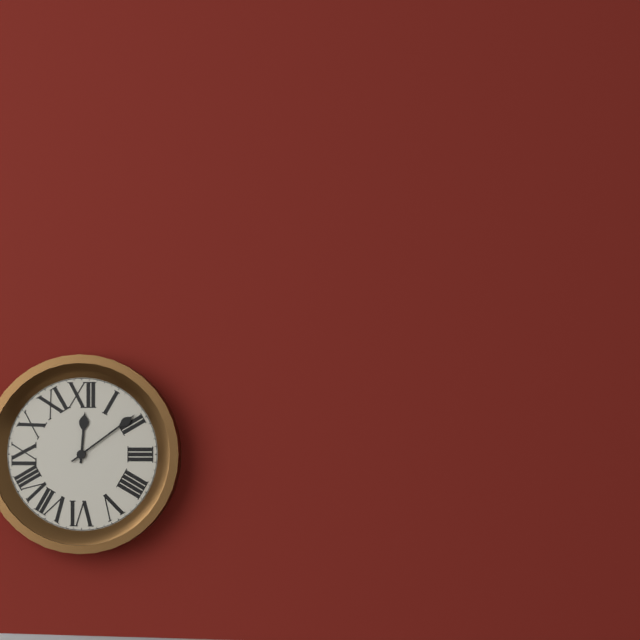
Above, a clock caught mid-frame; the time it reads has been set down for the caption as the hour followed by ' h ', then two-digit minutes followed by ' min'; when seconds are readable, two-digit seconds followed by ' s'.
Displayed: 12 h 09 min
